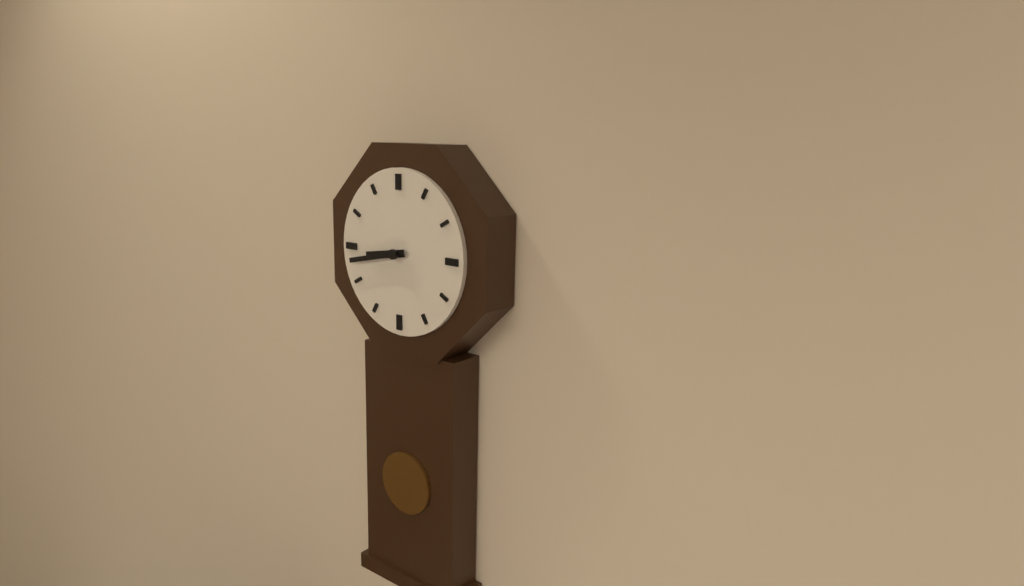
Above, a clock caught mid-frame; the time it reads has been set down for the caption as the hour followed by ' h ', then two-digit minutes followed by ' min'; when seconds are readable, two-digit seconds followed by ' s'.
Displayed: 8 h 43 min
